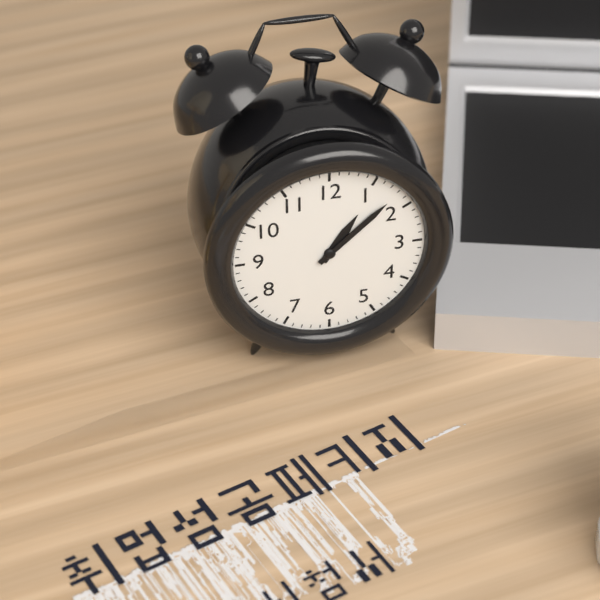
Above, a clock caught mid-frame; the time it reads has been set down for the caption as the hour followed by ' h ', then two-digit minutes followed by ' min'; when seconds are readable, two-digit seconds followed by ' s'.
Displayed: 1 h 08 min
